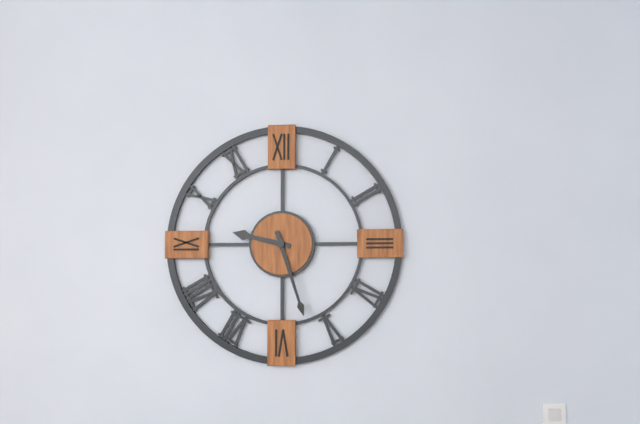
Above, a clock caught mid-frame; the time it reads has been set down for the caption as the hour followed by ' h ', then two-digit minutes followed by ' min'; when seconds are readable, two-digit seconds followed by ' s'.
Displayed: 9 h 27 min
